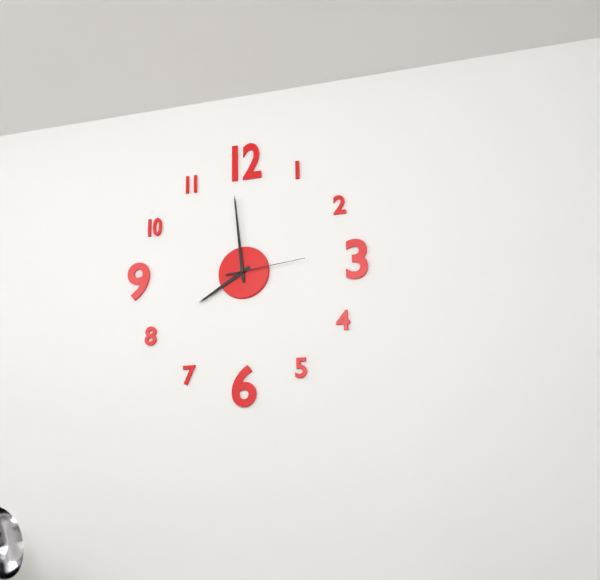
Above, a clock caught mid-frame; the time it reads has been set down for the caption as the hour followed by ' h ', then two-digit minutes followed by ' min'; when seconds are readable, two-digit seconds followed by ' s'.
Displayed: 7 h 59 min 14 s
